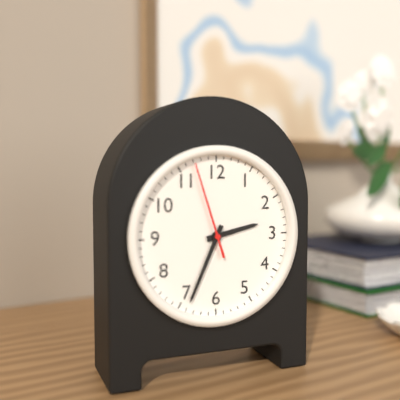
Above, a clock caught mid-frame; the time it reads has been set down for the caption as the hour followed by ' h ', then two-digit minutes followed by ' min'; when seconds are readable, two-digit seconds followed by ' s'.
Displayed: 2 h 34 min 57 s
